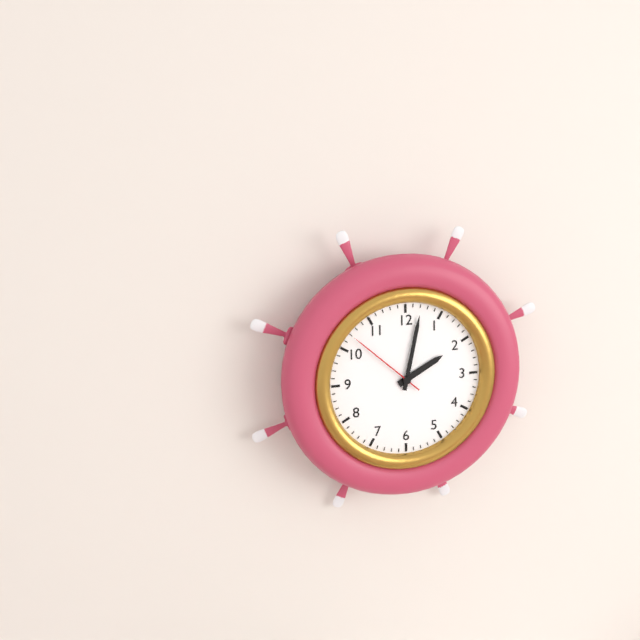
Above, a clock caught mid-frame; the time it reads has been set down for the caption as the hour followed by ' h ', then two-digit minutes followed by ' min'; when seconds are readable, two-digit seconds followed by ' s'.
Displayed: 2 h 02 min 52 s
